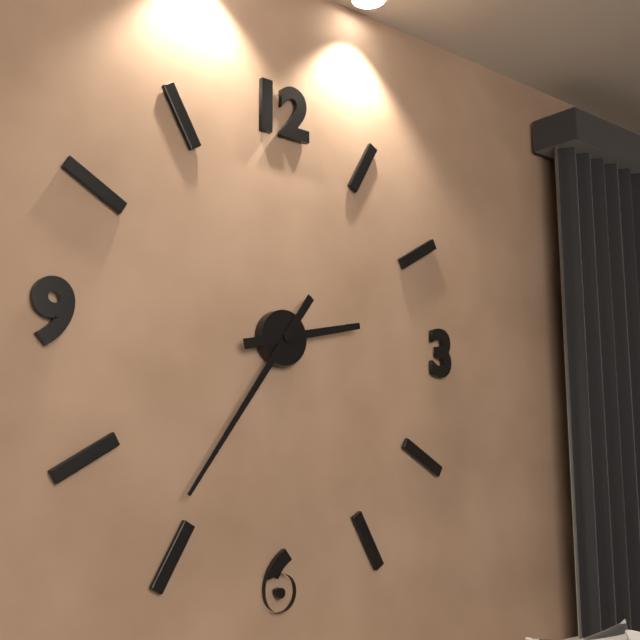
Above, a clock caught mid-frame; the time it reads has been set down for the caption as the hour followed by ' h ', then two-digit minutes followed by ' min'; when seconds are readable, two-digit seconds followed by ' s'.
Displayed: 2 h 36 min
